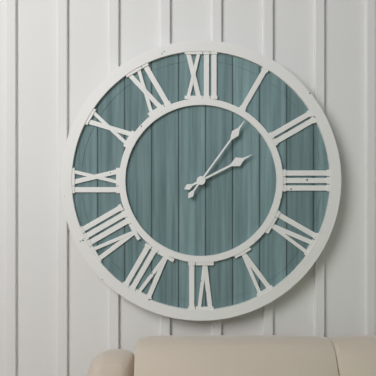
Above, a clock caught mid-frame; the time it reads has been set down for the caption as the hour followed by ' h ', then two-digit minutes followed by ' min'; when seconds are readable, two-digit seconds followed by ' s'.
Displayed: 2 h 06 min
